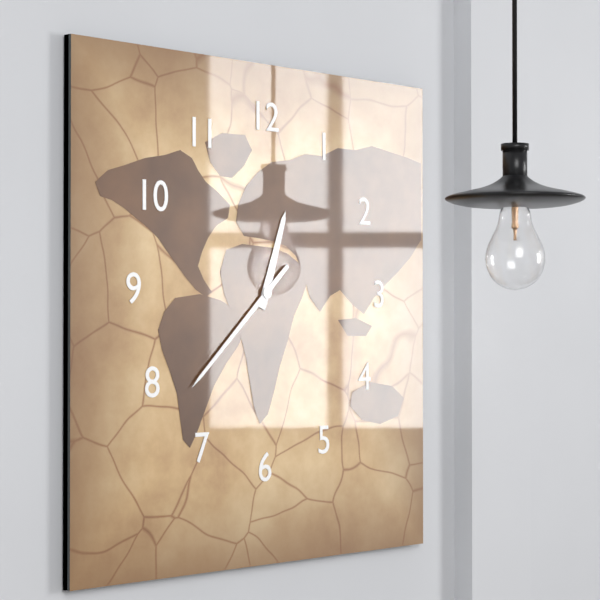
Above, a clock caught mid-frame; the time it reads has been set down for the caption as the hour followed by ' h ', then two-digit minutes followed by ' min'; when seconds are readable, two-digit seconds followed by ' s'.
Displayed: 12 h 38 min
